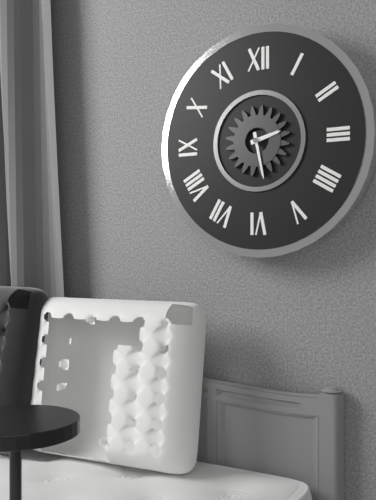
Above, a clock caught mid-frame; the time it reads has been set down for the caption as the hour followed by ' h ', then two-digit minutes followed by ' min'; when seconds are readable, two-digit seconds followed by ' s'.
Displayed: 2 h 28 min
